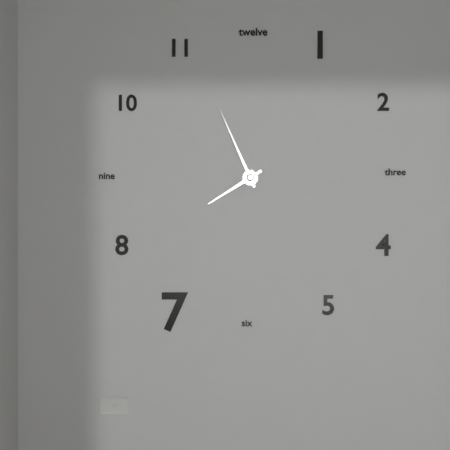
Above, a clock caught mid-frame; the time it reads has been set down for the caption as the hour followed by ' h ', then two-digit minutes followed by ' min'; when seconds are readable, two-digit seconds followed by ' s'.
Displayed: 7 h 56 min
